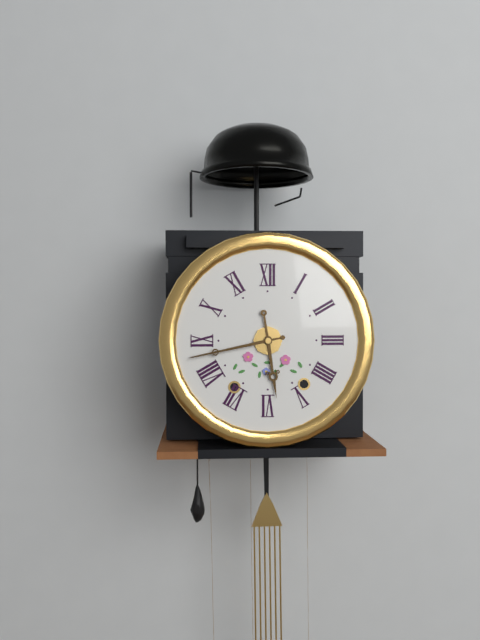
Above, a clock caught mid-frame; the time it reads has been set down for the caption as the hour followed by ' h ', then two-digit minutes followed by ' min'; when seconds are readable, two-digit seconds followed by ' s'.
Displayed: 5 h 43 min
